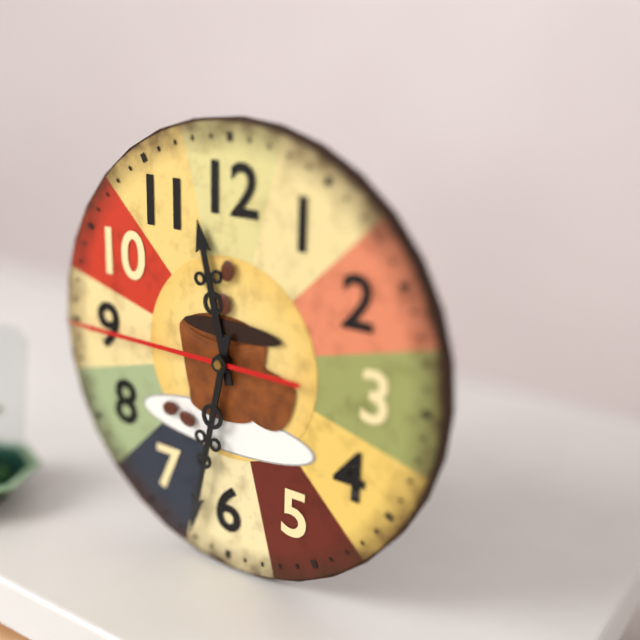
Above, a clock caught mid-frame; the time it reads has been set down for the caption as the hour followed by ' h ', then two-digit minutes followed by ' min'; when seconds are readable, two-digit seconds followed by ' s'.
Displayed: 11 h 32 min 45 s
